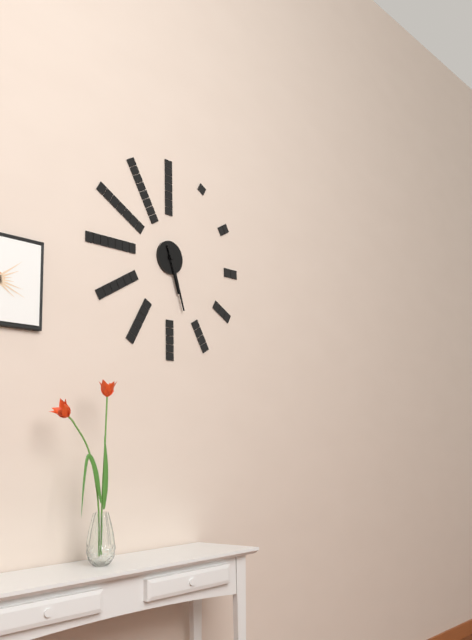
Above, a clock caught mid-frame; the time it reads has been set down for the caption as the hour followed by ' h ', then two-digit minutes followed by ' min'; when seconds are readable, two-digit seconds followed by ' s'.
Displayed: 5 h 27 min
